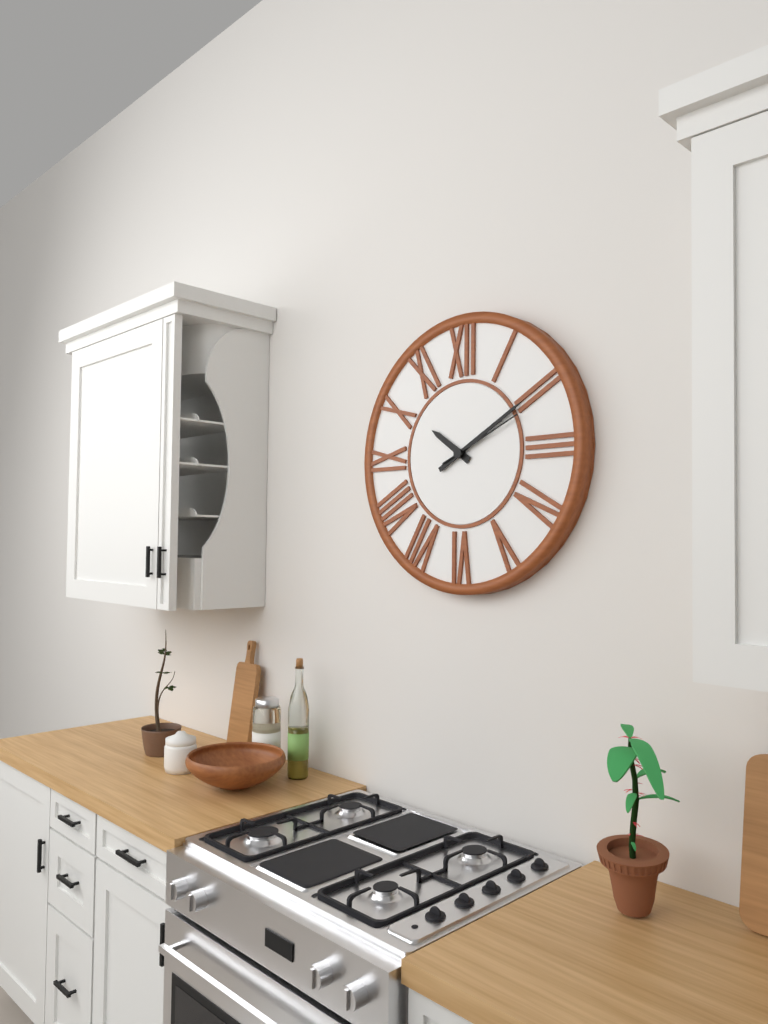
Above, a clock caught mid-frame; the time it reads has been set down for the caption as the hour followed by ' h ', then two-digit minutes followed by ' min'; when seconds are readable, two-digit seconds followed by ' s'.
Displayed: 10 h 10 min 11 s
